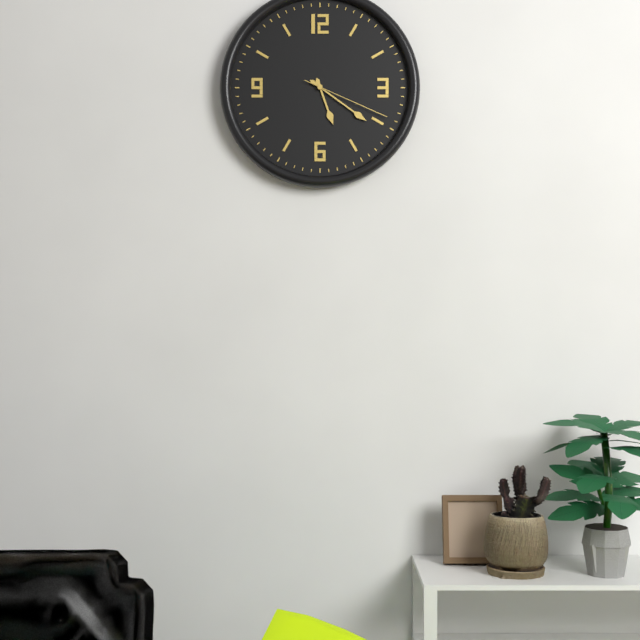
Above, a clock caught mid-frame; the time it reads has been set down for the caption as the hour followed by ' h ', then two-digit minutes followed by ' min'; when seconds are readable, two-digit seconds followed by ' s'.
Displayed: 5 h 21 min 19 s
